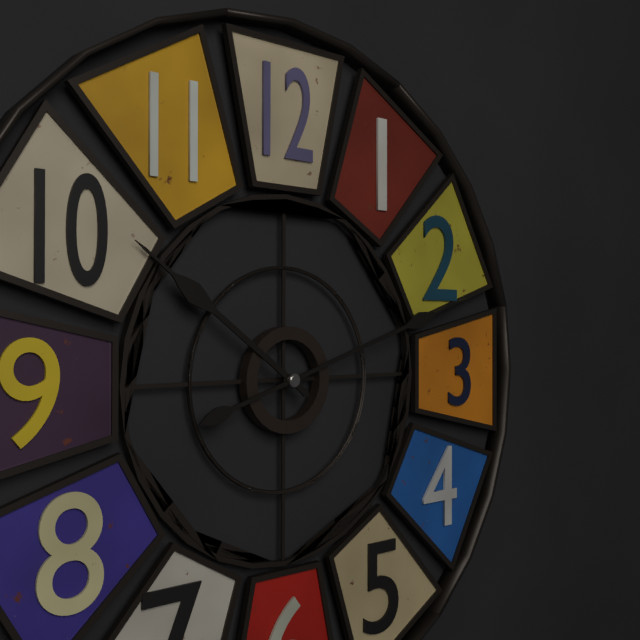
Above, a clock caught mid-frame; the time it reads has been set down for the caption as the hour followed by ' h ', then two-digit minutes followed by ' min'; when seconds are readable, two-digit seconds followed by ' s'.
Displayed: 10 h 12 min
